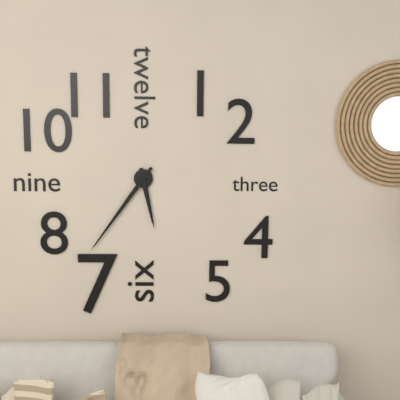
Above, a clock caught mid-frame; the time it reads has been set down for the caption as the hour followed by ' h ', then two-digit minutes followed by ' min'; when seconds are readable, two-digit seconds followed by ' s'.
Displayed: 5 h 36 min
